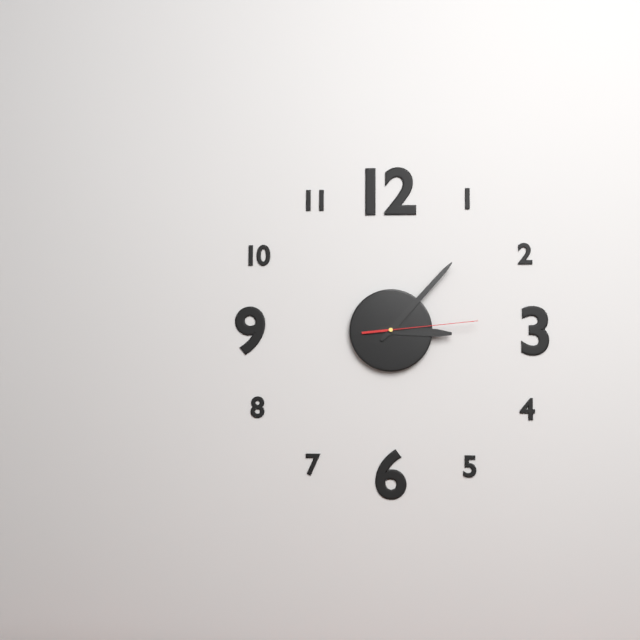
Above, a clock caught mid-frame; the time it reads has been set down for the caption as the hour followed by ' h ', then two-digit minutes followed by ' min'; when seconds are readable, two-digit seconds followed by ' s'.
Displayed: 3 h 07 min 14 s
